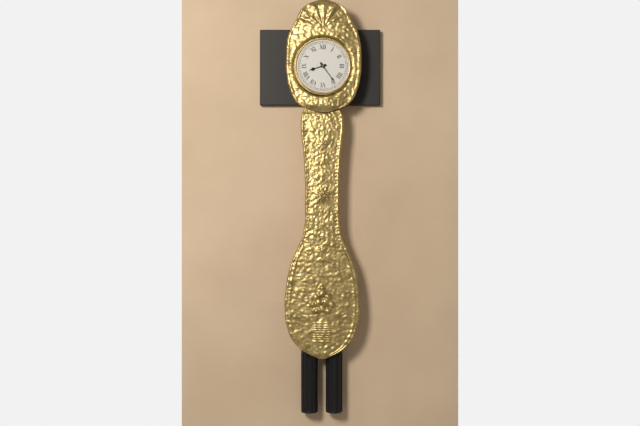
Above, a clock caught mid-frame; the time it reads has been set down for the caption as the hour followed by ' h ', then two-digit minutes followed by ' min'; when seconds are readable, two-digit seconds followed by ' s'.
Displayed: 8 h 24 min
